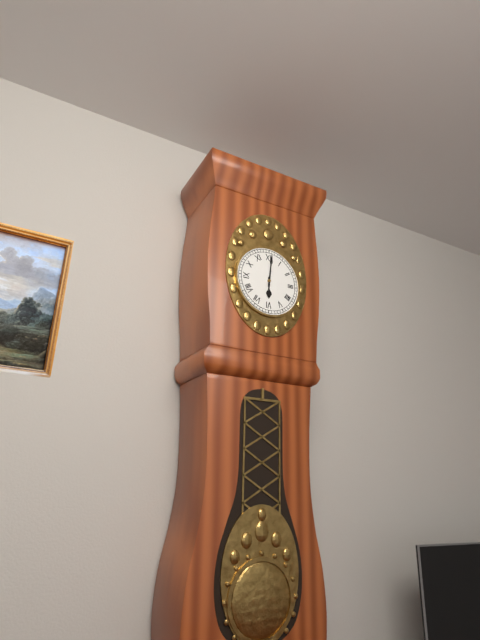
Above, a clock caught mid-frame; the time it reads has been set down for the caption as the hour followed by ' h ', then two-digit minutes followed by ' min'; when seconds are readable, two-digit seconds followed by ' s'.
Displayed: 6 h 01 min
